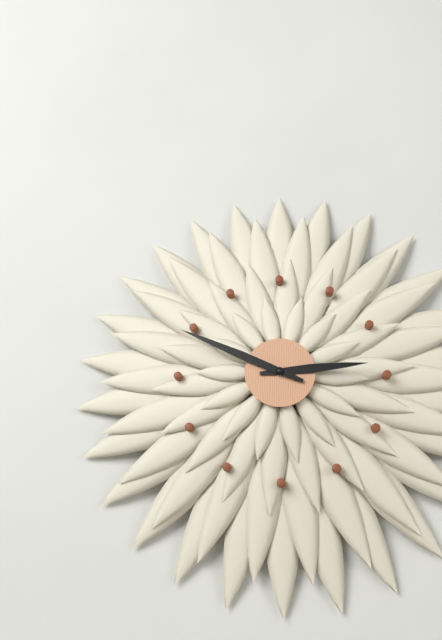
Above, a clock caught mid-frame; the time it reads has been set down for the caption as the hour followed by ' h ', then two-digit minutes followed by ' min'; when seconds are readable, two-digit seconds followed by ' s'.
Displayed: 2 h 49 min
